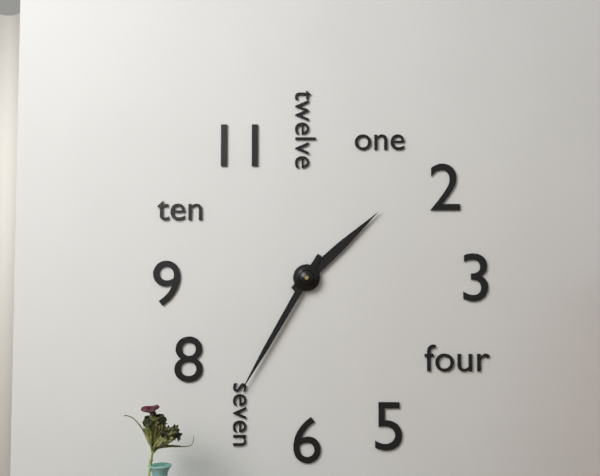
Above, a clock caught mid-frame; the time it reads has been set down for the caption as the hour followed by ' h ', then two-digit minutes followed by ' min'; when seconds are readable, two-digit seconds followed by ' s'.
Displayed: 1 h 35 min
